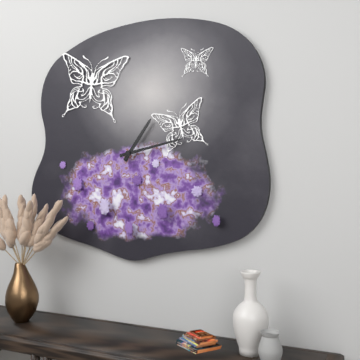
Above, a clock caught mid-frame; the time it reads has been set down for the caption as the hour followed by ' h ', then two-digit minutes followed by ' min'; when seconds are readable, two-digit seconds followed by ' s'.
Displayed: 1 h 13 min
